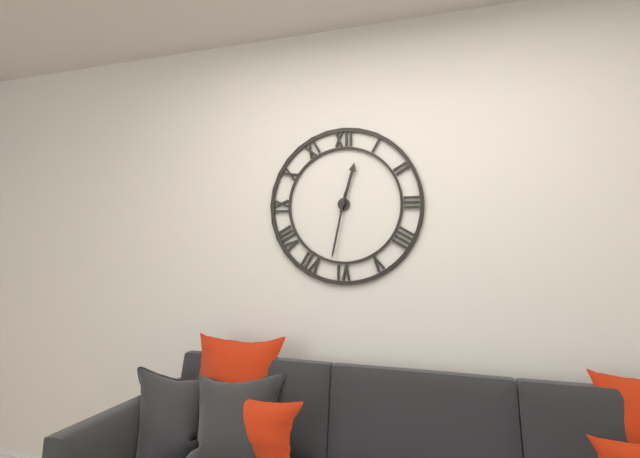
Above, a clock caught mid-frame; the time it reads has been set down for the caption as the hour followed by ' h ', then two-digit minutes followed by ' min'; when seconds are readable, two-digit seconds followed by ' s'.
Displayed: 12 h 32 min
